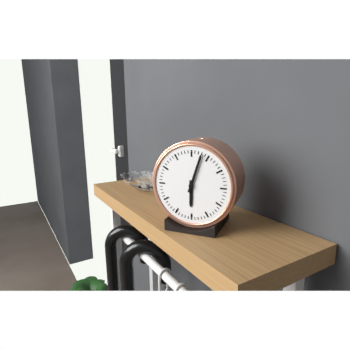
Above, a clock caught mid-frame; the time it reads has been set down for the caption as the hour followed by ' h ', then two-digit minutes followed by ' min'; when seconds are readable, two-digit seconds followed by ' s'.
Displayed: 6 h 03 min
